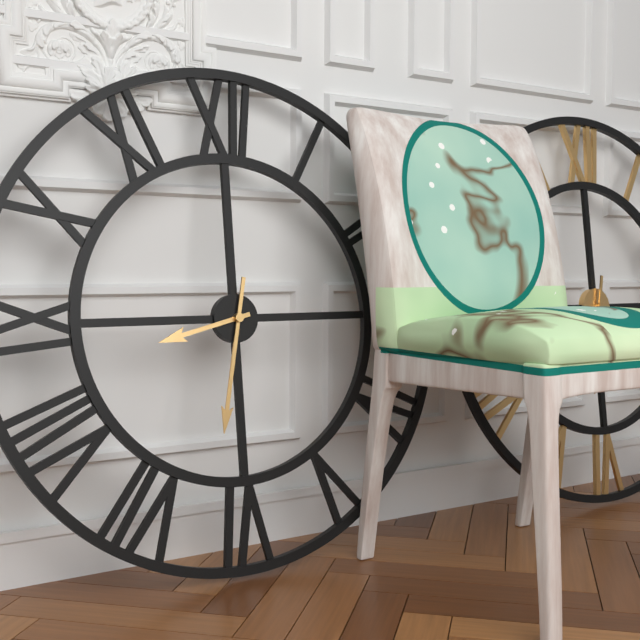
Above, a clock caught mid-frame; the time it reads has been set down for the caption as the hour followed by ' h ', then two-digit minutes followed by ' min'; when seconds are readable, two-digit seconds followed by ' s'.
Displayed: 8 h 32 min
